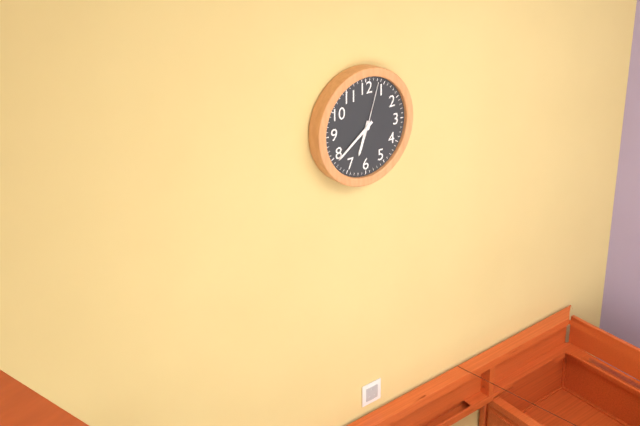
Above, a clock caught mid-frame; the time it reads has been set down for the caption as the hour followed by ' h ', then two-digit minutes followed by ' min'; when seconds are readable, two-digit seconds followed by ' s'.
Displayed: 6 h 39 min 03 s
